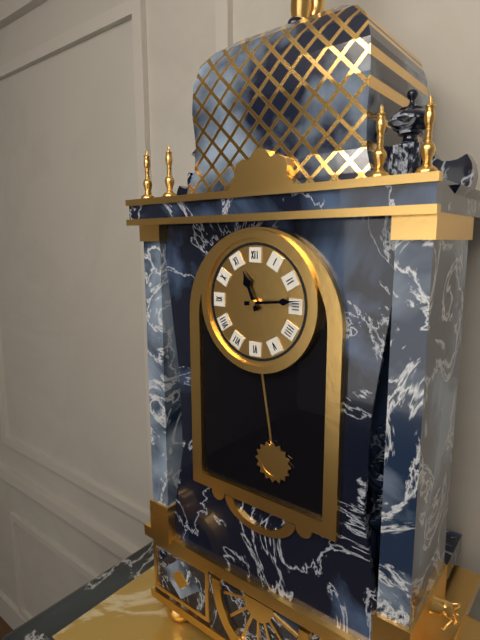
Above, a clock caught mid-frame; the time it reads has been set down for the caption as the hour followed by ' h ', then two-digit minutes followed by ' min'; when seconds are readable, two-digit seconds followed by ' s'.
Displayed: 11 h 14 min
